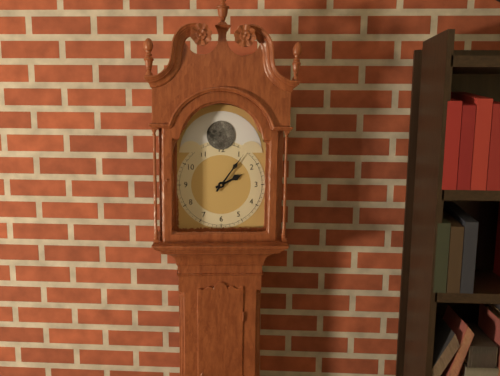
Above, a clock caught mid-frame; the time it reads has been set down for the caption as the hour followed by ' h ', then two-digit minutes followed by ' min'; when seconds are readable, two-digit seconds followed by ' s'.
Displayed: 2 h 06 min
